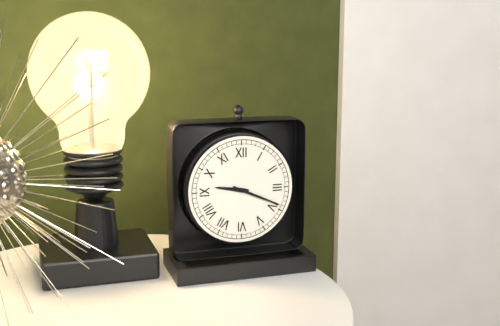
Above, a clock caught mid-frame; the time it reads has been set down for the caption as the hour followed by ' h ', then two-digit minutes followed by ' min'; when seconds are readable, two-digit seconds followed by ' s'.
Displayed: 9 h 19 min
